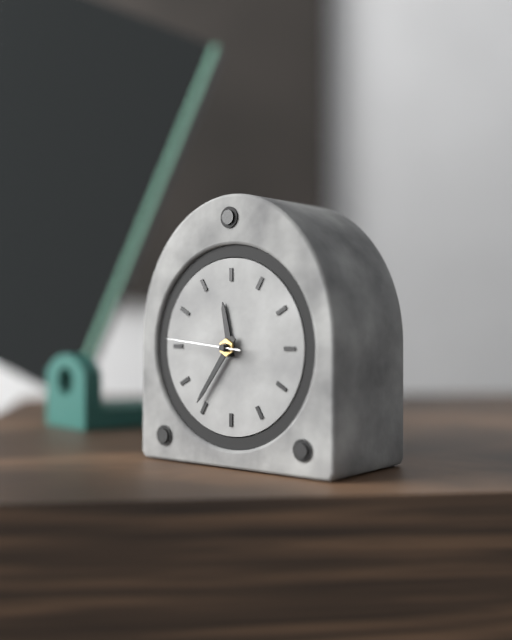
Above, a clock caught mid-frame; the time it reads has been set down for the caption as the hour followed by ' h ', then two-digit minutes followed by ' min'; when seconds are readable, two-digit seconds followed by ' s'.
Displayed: 11 h 36 min 46 s
